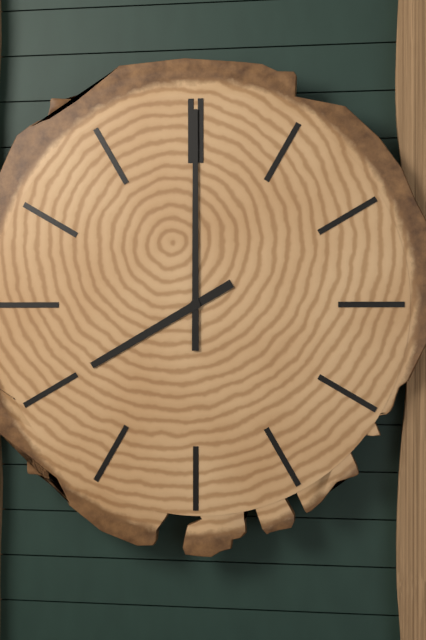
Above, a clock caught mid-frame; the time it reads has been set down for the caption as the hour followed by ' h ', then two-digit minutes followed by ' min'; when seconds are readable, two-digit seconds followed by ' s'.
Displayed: 8 h 00 min
